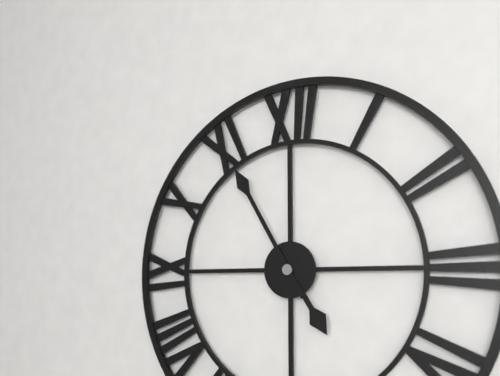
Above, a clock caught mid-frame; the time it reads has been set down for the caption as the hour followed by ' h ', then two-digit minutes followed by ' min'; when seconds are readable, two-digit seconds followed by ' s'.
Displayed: 4 h 55 min
